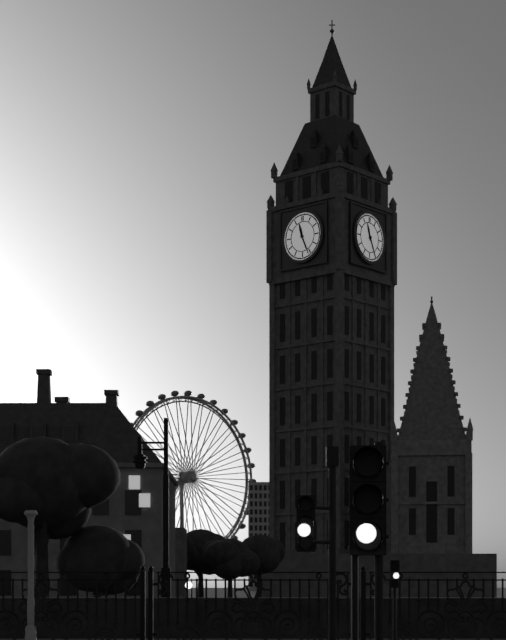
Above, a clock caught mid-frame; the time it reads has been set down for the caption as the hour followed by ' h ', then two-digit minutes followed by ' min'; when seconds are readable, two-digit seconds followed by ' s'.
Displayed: 11 h 26 min
